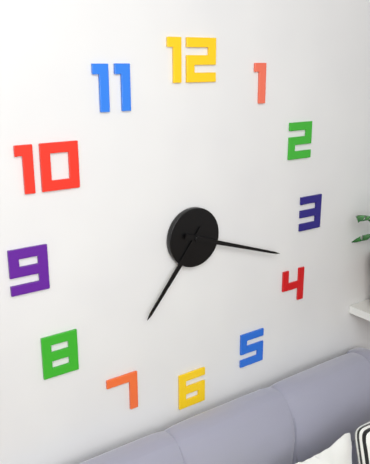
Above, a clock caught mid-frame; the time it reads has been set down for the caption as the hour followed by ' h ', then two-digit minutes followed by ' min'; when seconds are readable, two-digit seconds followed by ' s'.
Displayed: 7 h 18 min
